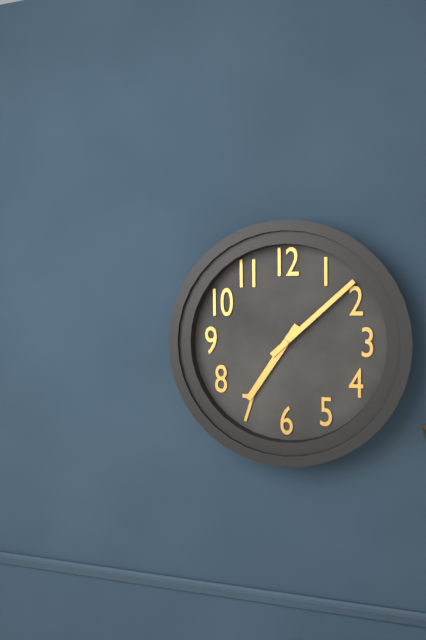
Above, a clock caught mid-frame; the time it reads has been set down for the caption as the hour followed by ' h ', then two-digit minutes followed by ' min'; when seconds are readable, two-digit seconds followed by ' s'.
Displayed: 7 h 08 min
